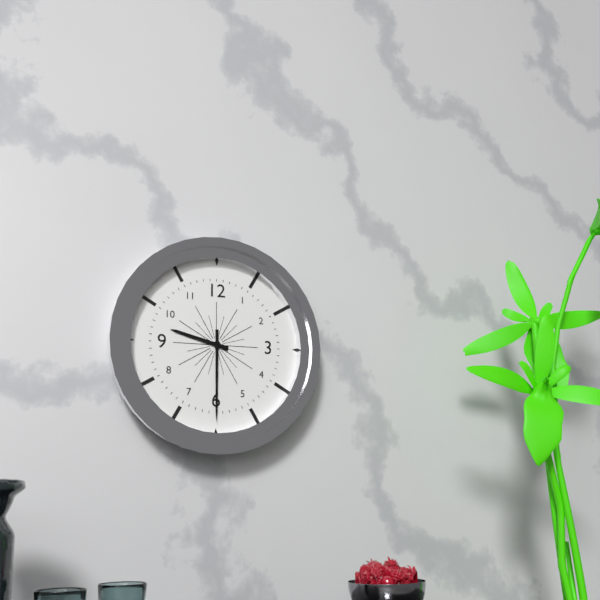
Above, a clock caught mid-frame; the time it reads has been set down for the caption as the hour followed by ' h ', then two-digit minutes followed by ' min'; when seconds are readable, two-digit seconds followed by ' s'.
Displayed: 9 h 30 min
